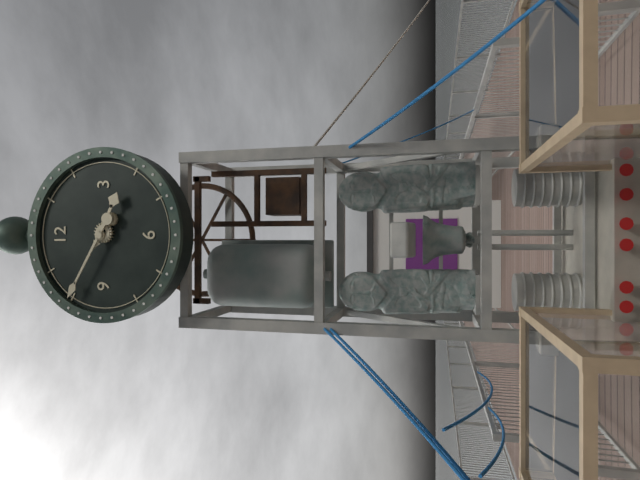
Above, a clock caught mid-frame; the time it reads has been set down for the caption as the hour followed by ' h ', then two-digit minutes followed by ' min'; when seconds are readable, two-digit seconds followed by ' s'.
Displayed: 3 h 50 min
